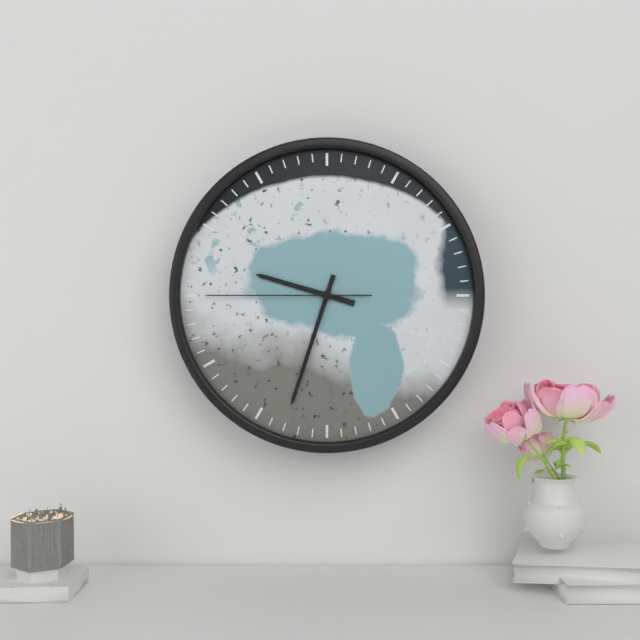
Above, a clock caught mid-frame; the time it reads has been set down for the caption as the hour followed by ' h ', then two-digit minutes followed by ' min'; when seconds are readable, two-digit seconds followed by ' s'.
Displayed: 9 h 33 min 45 s
